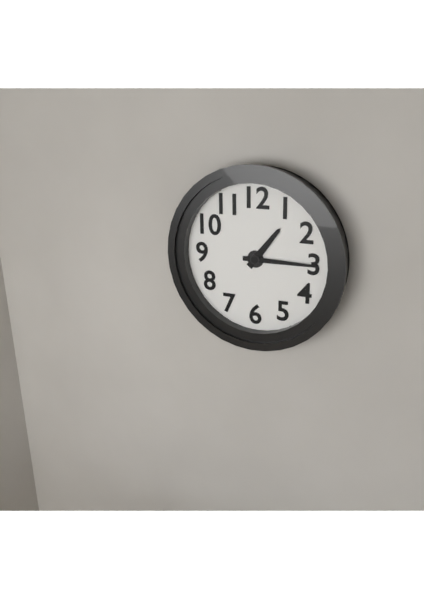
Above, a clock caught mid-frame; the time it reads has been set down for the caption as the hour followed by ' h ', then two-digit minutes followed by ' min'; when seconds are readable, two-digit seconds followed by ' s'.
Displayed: 1 h 15 min
